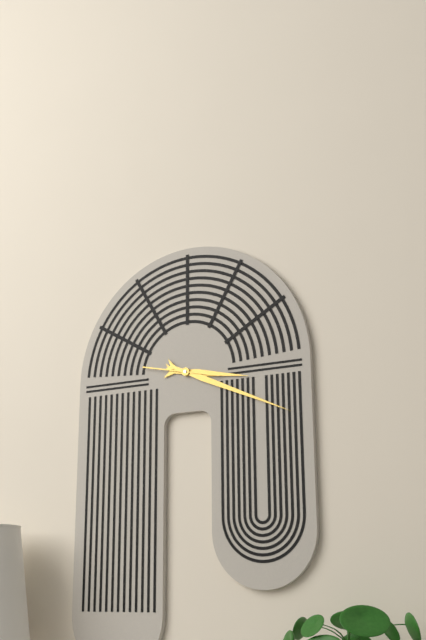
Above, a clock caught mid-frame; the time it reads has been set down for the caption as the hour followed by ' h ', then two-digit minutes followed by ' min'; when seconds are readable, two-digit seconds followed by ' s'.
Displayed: 3 h 19 min 47 s
